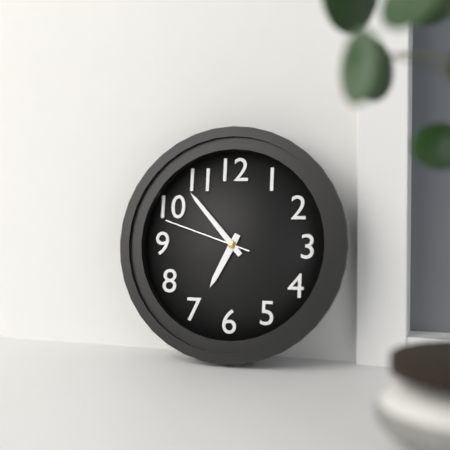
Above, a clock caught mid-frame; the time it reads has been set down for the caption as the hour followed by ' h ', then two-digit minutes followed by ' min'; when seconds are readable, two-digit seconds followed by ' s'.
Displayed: 6 h 53 min 48 s
